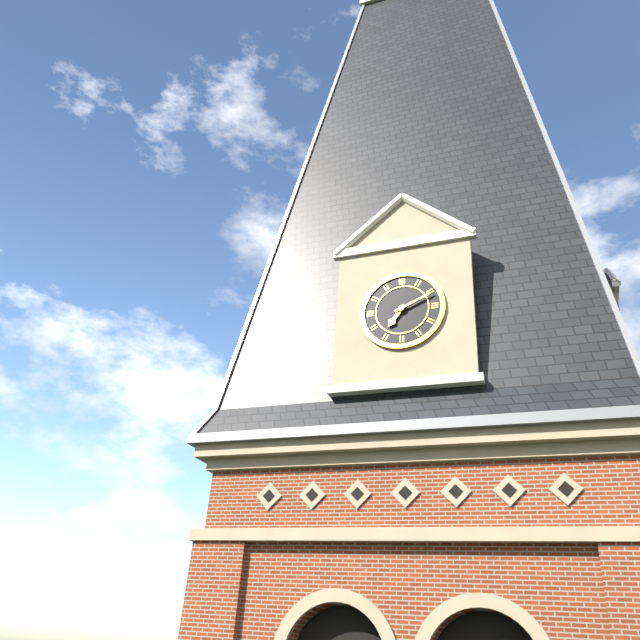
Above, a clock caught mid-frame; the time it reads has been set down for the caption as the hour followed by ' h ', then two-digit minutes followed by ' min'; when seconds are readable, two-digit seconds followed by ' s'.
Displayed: 7 h 11 min
